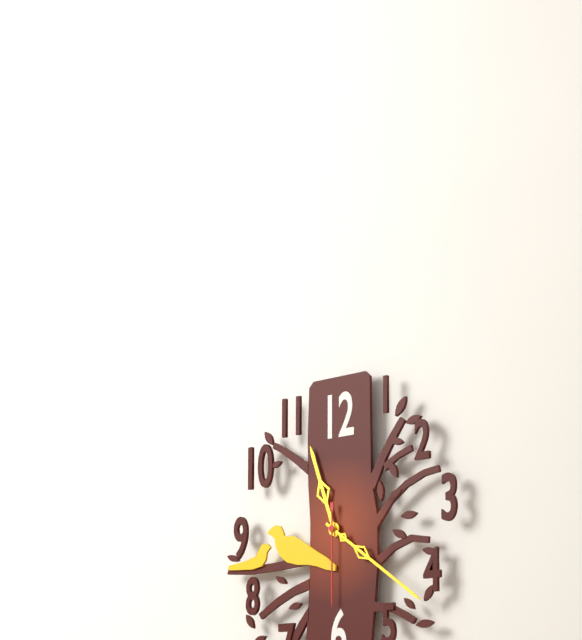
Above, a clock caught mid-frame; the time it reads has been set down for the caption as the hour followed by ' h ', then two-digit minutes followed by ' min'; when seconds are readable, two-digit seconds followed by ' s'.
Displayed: 11 h 21 min 30 s
